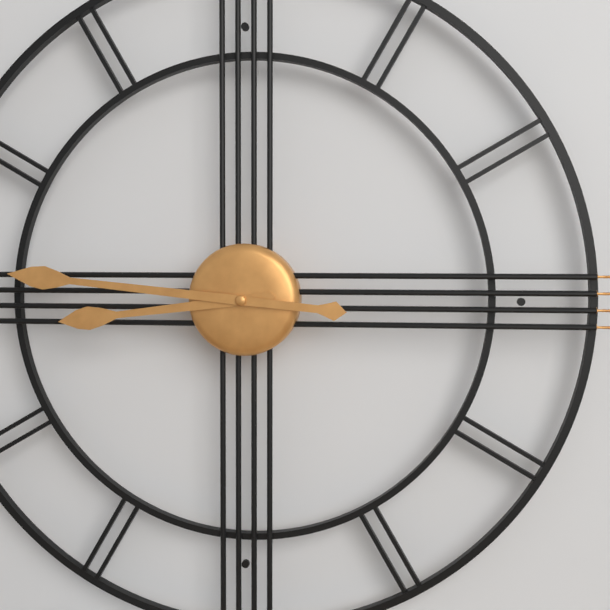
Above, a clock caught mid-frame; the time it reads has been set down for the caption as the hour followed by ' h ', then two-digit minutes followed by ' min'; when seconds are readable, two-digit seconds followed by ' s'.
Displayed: 8 h 46 min
